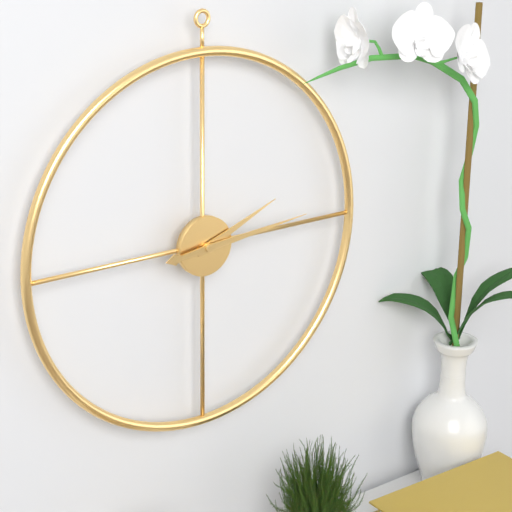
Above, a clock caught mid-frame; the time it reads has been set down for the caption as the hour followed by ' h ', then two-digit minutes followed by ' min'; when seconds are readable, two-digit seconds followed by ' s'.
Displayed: 2 h 14 min
